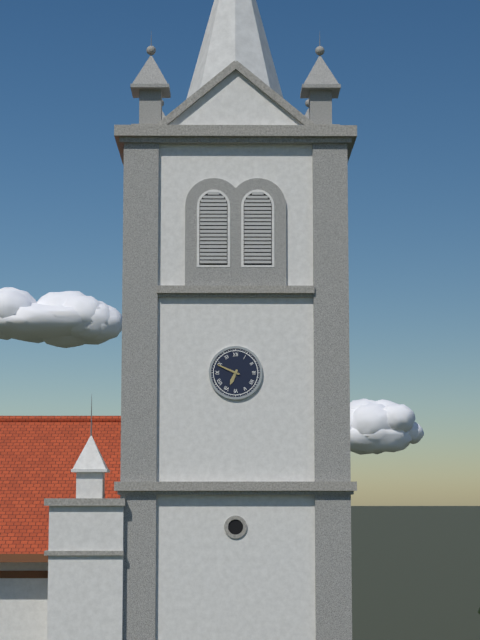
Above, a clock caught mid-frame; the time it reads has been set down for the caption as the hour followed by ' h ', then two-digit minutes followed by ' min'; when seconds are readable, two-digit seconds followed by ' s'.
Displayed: 6 h 49 min
